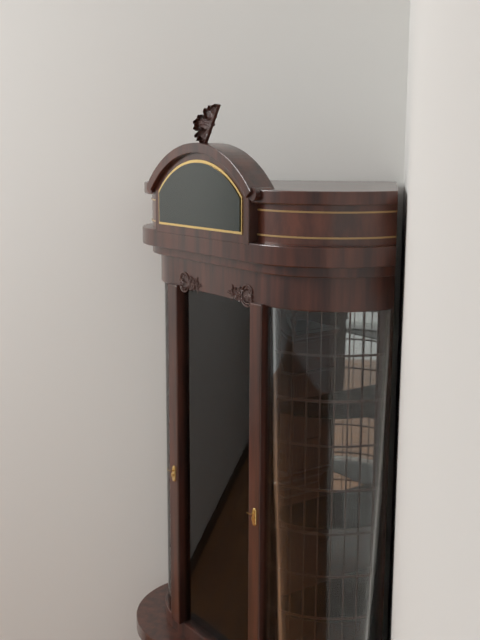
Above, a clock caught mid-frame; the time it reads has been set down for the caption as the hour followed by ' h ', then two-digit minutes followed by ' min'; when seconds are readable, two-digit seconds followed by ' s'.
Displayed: 1 h 30 min
